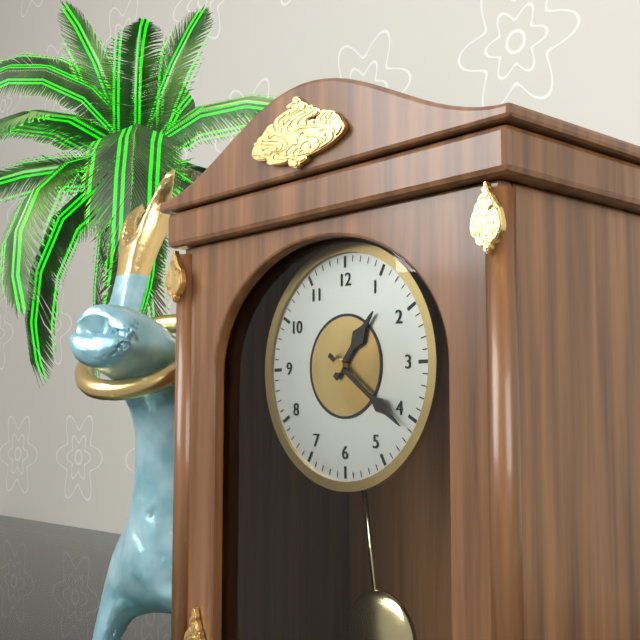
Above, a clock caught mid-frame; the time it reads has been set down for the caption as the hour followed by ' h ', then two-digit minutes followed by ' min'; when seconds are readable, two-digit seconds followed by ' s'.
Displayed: 1 h 21 min
